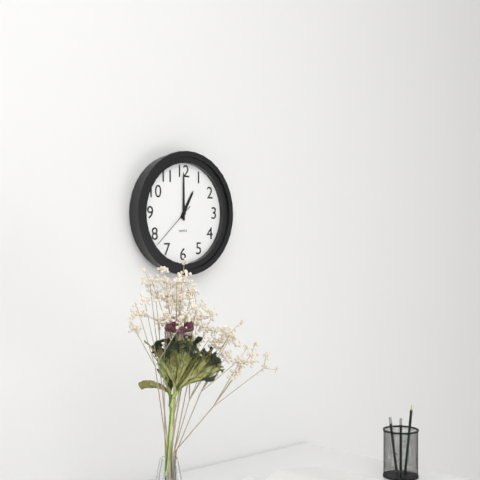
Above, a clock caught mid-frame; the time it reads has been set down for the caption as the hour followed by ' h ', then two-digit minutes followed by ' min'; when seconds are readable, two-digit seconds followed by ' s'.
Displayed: 1 h 00 min 38 s
